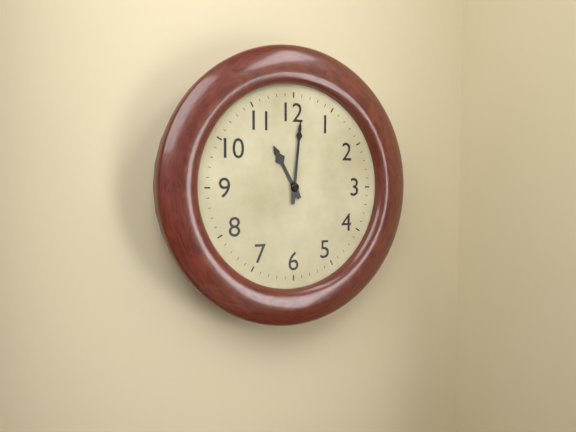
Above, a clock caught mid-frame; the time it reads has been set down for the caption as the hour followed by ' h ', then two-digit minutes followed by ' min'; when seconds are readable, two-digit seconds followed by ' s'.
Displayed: 11 h 01 min
